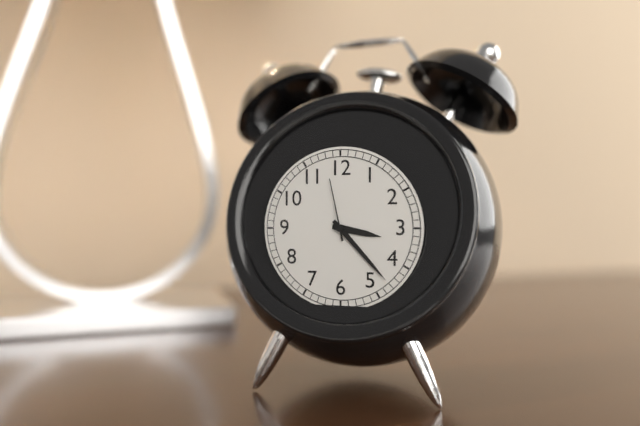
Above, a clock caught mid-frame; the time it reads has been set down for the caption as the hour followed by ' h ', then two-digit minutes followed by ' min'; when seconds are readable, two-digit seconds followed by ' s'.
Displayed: 3 h 23 min 58 s
